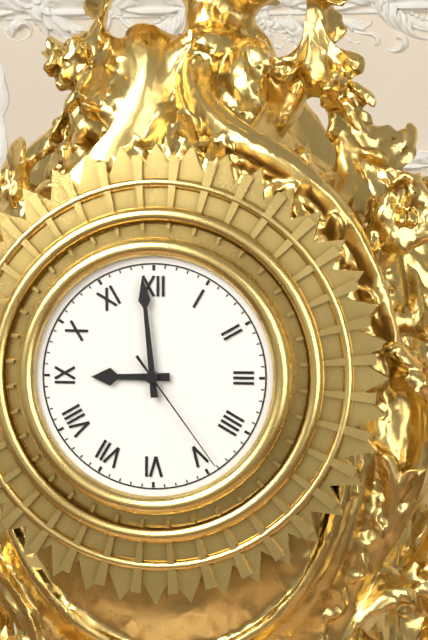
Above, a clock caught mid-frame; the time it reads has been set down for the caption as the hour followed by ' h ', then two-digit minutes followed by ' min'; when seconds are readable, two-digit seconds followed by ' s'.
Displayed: 8 h 59 min 24 s
